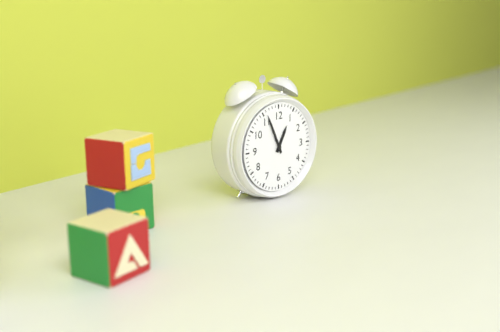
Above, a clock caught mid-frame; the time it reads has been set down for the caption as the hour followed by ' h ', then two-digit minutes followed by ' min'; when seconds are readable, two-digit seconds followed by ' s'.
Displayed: 12 h 56 min
